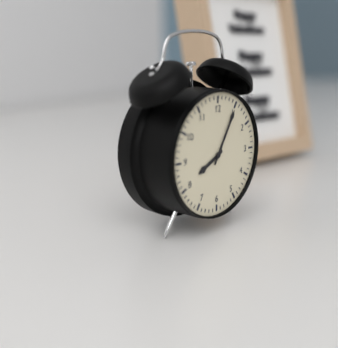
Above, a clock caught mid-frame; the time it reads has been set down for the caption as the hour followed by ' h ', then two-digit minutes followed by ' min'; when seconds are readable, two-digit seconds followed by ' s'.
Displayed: 8 h 05 min
